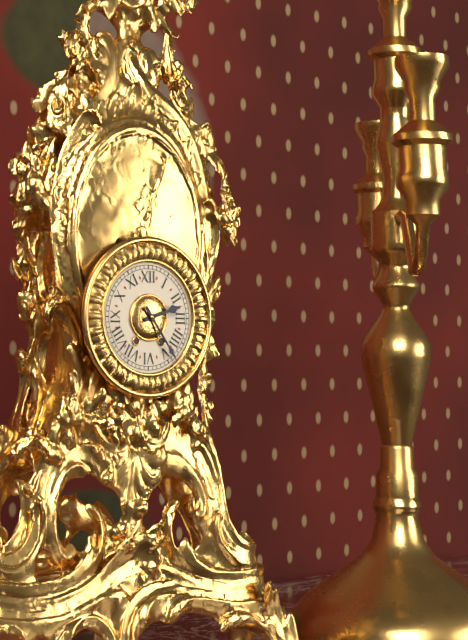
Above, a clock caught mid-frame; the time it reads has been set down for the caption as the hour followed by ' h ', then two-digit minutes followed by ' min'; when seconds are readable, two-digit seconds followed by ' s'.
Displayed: 2 h 24 min
